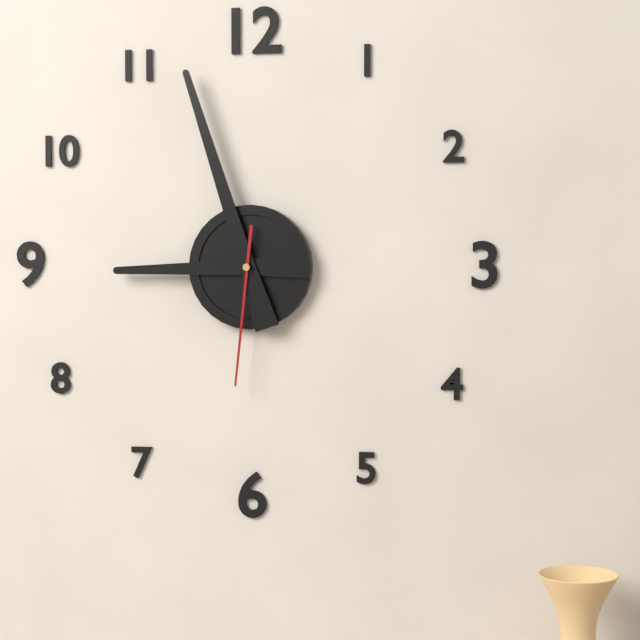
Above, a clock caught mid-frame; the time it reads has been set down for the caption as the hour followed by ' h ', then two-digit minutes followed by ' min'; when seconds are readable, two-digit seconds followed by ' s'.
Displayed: 8 h 57 min 31 s
